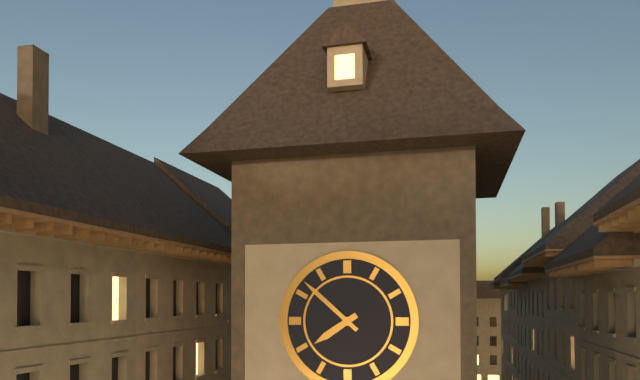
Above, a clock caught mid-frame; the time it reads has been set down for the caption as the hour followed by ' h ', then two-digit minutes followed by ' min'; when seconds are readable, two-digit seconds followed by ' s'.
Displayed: 7 h 52 min
